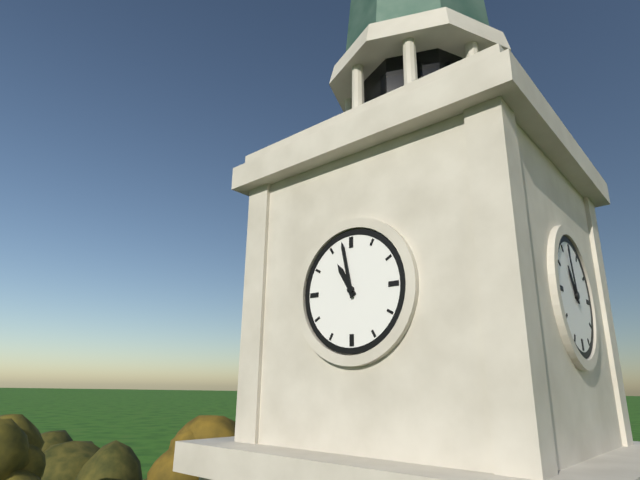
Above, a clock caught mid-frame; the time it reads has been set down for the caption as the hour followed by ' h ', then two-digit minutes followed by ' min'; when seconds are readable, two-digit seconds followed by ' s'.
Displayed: 10 h 58 min
